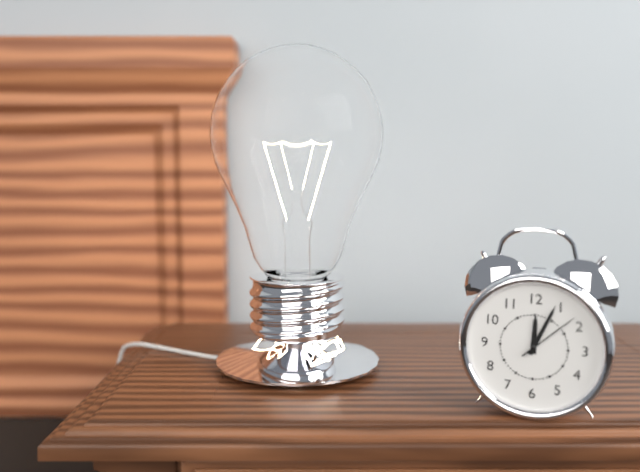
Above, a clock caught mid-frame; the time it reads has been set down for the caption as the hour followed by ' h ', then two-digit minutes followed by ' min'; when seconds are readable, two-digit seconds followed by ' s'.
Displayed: 12 h 04 min 08 s
